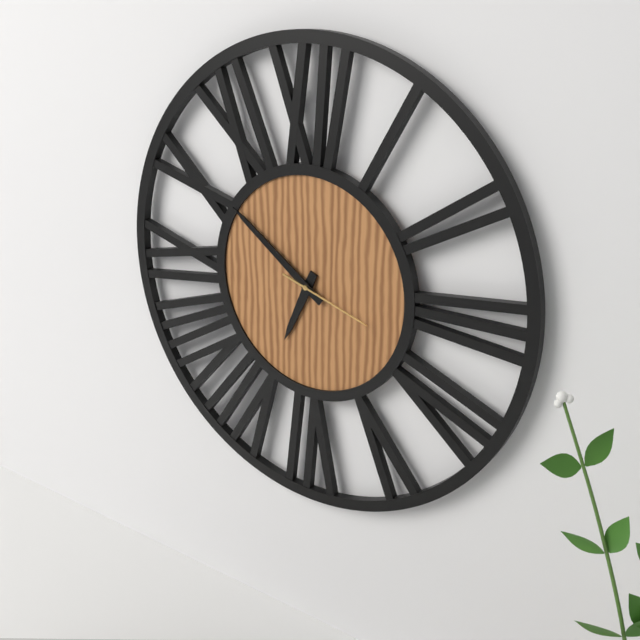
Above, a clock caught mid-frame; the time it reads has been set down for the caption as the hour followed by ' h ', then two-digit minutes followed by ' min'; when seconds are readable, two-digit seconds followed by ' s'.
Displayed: 6 h 51 min 18 s
